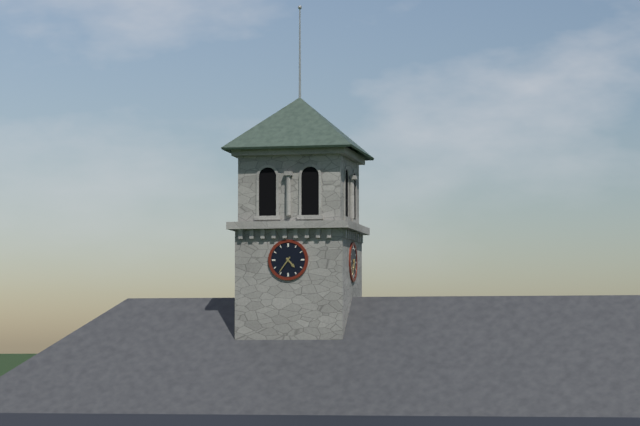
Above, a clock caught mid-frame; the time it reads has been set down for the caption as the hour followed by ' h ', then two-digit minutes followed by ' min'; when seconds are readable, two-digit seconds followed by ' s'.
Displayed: 4 h 36 min
